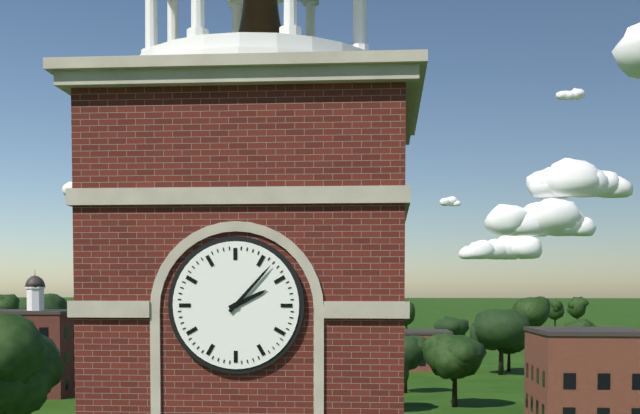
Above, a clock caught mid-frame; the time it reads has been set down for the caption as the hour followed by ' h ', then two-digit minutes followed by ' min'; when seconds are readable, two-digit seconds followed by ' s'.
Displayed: 2 h 07 min
